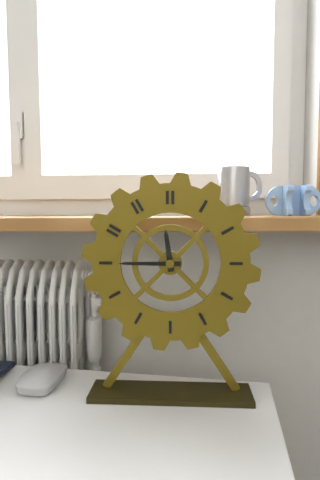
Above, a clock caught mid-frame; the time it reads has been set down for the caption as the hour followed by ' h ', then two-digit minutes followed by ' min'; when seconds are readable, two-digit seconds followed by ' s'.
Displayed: 11 h 45 min
